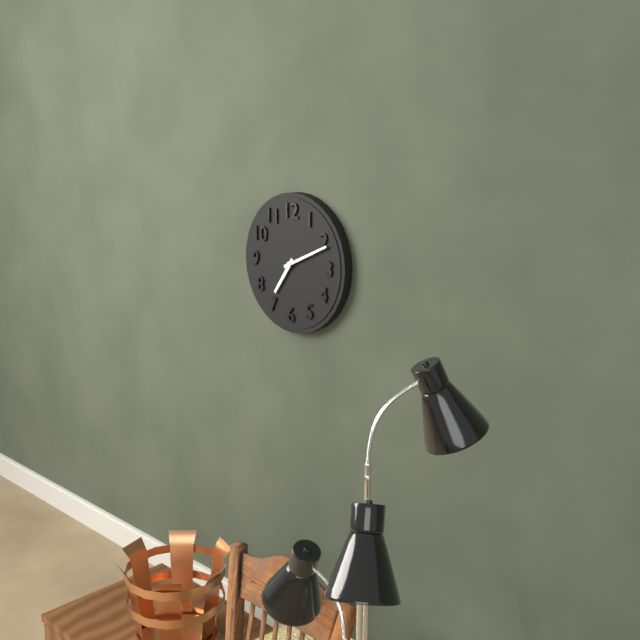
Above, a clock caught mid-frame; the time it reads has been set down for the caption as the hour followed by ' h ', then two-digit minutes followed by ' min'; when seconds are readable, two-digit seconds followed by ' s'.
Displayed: 7 h 11 min
